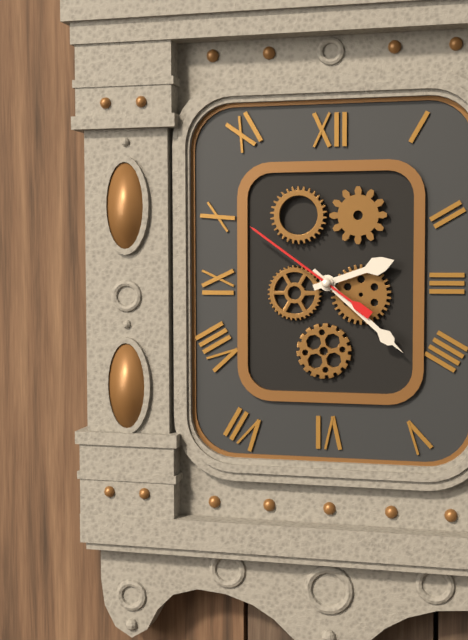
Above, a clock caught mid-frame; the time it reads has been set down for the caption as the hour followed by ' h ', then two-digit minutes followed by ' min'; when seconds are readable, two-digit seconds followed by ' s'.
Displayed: 2 h 22 min 51 s
